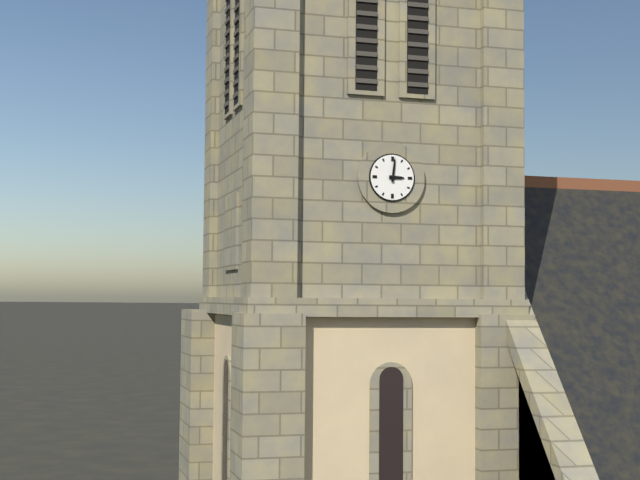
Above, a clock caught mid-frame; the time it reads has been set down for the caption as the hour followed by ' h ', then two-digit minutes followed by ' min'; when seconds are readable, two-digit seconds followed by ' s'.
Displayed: 3 h 01 min
